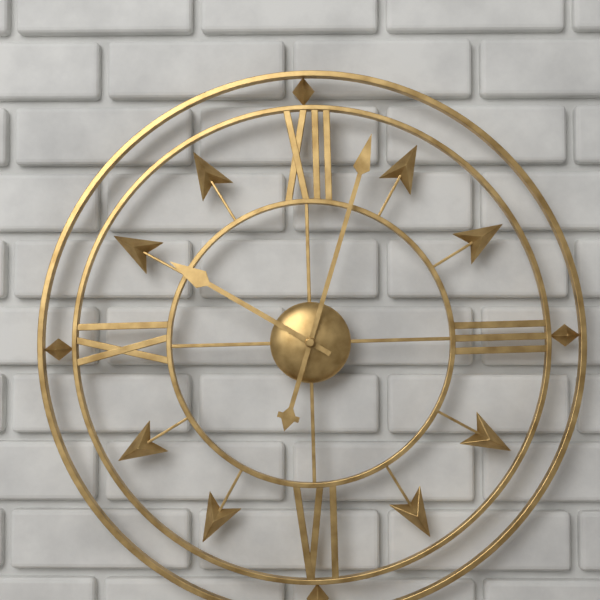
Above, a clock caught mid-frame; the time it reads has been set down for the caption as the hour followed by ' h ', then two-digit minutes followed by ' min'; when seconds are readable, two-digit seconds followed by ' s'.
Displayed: 10 h 03 min
